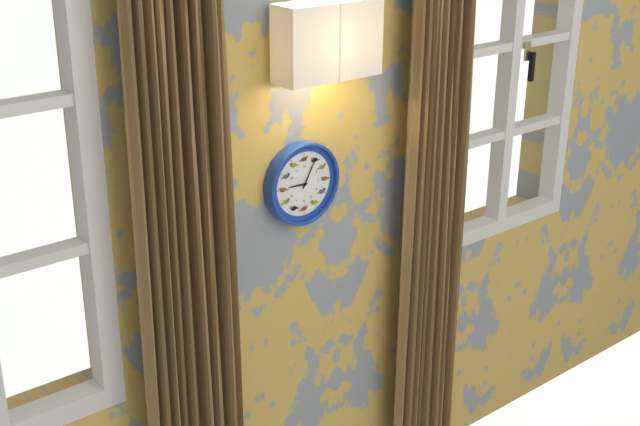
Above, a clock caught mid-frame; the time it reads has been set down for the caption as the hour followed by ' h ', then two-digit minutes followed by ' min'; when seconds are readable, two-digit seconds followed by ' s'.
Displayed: 9 h 05 min
